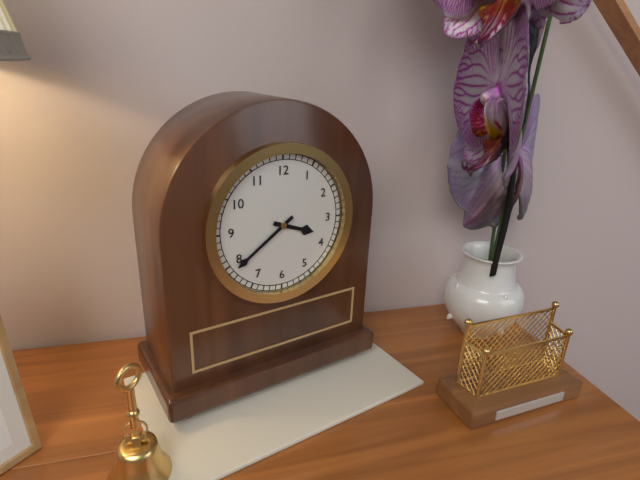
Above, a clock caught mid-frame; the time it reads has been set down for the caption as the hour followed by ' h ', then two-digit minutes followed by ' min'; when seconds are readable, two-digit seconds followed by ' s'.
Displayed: 3 h 39 min
